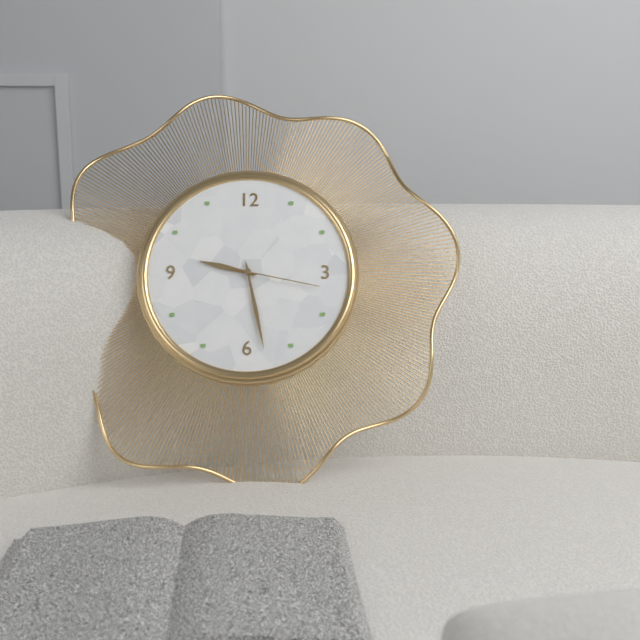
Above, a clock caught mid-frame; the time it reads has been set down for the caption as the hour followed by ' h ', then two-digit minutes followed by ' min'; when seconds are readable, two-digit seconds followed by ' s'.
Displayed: 9 h 28 min 17 s
